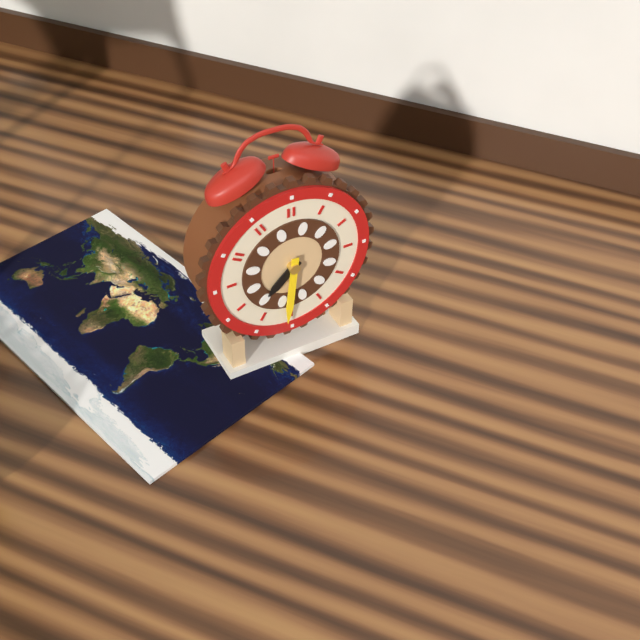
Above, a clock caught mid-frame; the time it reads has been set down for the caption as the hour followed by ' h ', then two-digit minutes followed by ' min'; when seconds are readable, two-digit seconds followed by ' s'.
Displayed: 7 h 31 min
